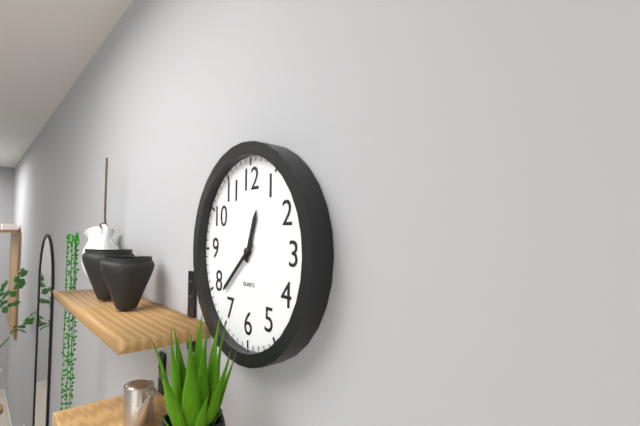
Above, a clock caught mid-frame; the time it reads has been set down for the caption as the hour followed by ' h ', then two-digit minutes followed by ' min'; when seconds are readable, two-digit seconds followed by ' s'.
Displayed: 12 h 38 min
